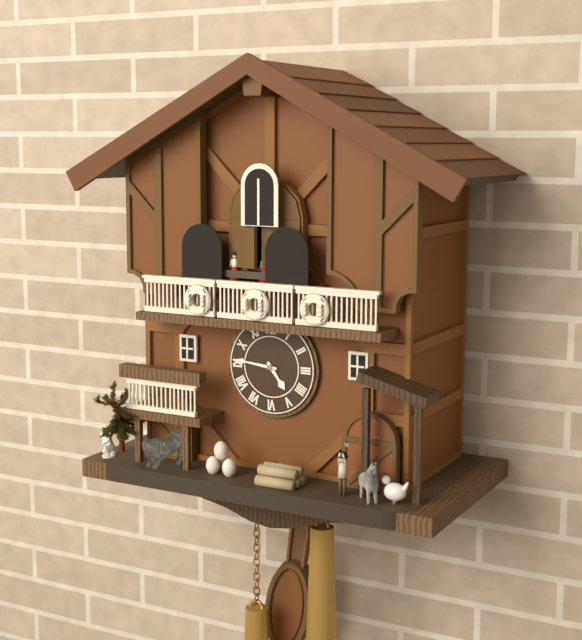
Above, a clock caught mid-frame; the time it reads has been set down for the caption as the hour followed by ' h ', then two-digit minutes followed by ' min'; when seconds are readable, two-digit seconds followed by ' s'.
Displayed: 4 h 46 min
